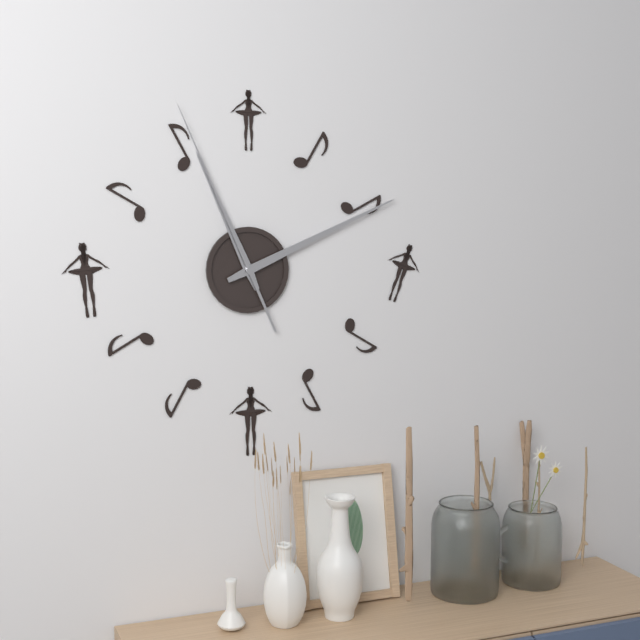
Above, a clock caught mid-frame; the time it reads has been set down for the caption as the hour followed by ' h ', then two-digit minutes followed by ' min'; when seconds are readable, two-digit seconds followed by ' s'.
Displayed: 11 h 11 min 56 s
